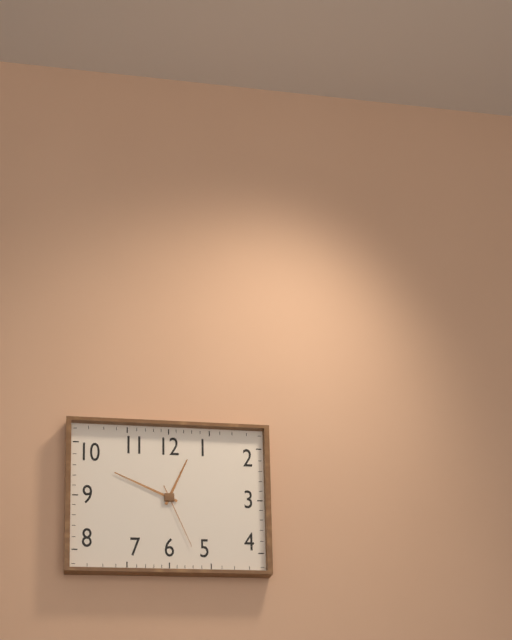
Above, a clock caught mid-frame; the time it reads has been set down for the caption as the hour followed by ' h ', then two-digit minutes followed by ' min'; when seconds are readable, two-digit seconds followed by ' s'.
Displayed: 12 h 49 min 26 s
